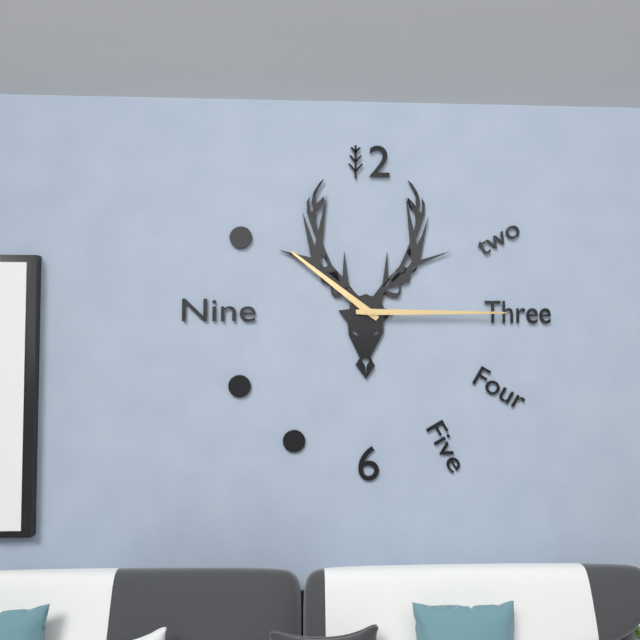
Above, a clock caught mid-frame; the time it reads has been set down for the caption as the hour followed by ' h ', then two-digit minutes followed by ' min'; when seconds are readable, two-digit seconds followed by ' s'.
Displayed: 10 h 15 min
